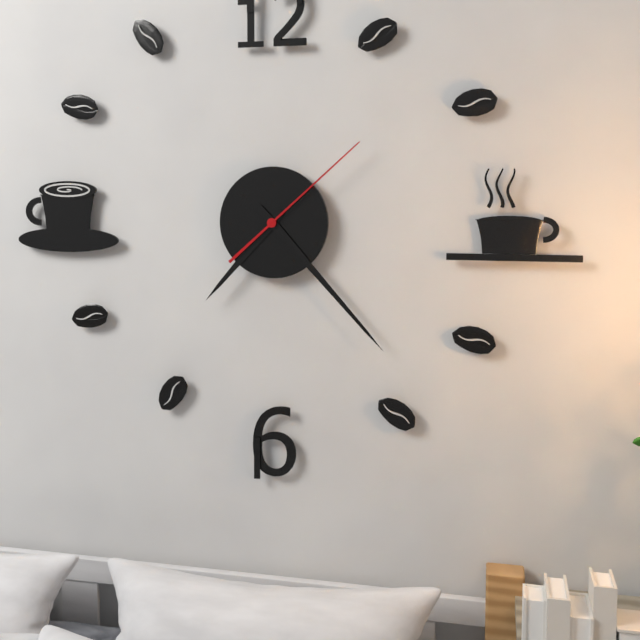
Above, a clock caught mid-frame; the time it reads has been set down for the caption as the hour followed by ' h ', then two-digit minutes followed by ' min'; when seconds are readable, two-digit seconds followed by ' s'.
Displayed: 7 h 23 min 08 s
